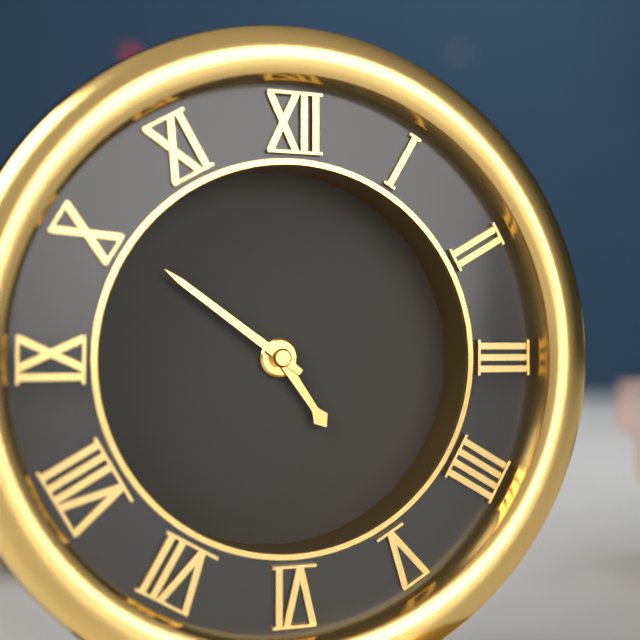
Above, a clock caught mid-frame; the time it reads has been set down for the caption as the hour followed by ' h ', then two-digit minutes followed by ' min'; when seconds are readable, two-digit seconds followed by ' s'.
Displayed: 4 h 51 min
